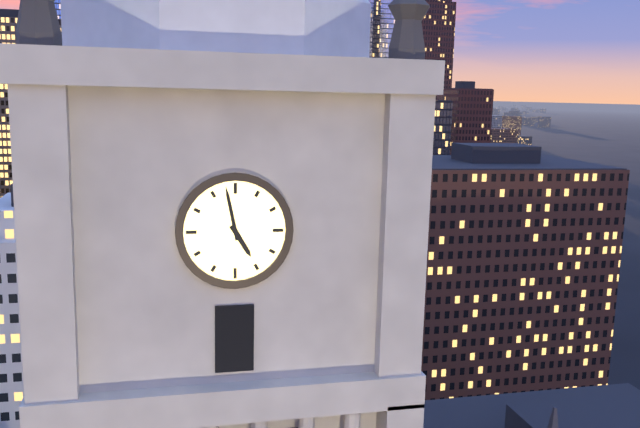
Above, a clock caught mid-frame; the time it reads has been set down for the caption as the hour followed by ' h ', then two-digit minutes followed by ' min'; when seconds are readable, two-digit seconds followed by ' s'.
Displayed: 4 h 58 min
